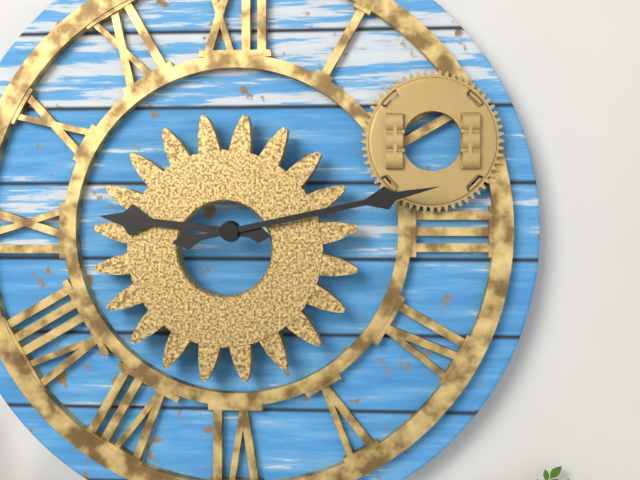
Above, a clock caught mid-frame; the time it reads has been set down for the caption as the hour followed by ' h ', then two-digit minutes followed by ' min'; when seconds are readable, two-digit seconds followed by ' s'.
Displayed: 9 h 13 min
